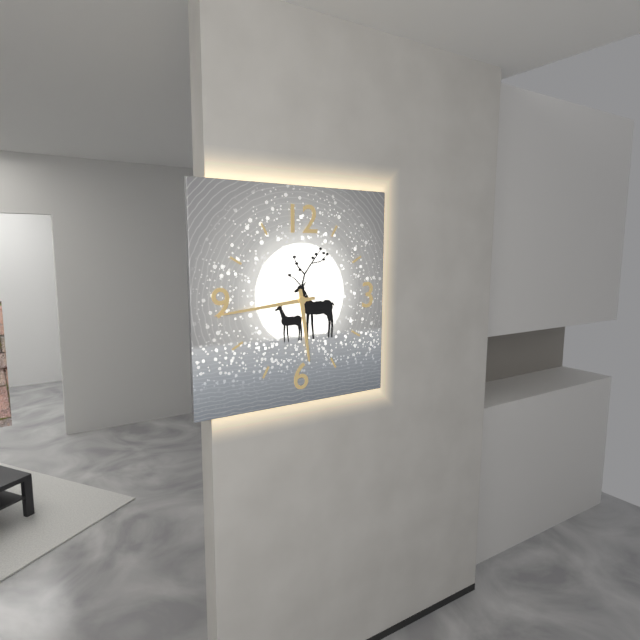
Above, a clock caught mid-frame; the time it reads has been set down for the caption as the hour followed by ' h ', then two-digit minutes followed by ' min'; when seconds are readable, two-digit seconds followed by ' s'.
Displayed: 5 h 44 min
